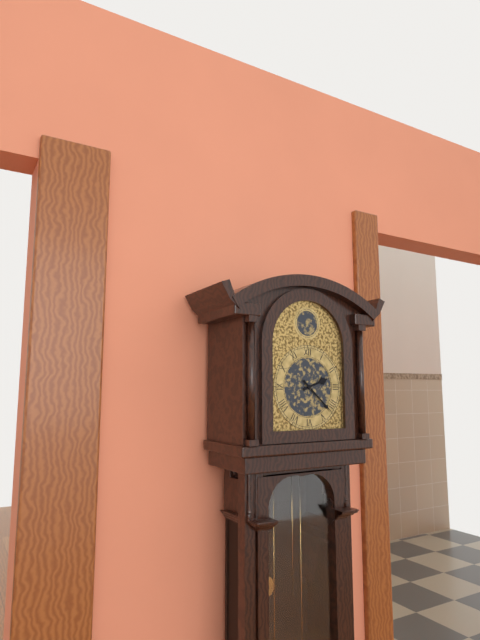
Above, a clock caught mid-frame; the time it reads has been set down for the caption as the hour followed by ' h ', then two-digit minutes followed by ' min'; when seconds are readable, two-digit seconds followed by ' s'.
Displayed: 2 h 22 min
